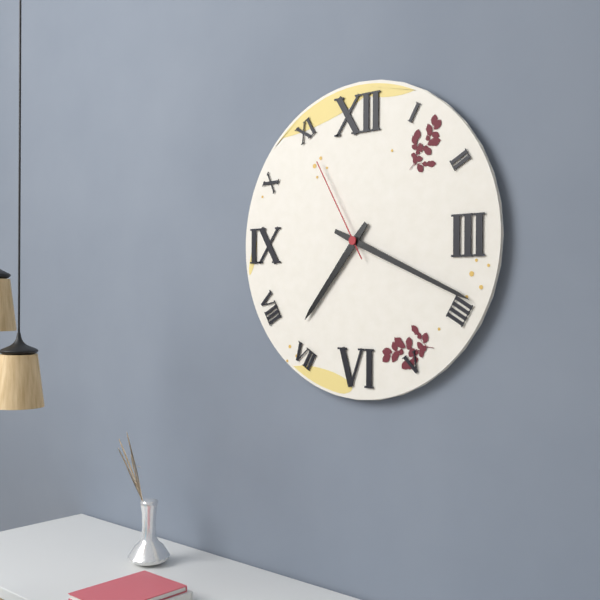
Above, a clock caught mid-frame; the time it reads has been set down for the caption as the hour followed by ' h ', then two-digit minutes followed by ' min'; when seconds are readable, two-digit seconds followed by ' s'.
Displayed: 7 h 19 min 55 s
